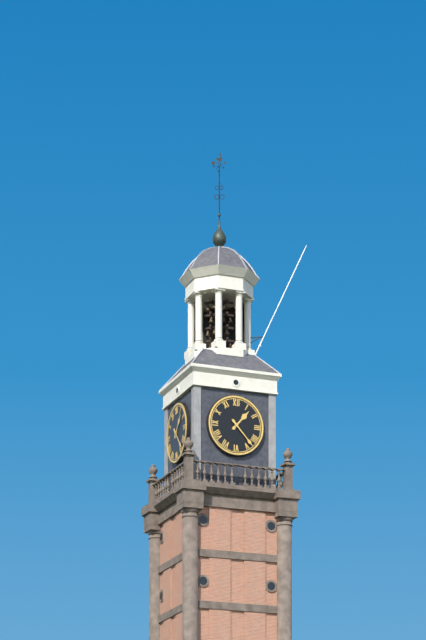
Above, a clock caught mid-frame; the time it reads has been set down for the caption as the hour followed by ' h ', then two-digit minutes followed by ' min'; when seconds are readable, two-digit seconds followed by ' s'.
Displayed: 1 h 23 min
